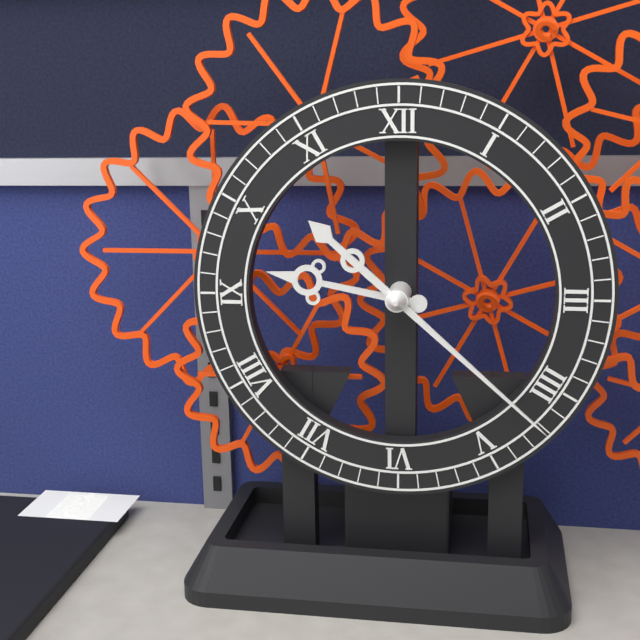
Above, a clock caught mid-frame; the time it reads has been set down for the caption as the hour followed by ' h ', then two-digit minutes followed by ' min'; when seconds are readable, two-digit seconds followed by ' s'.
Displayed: 9 h 22 min
